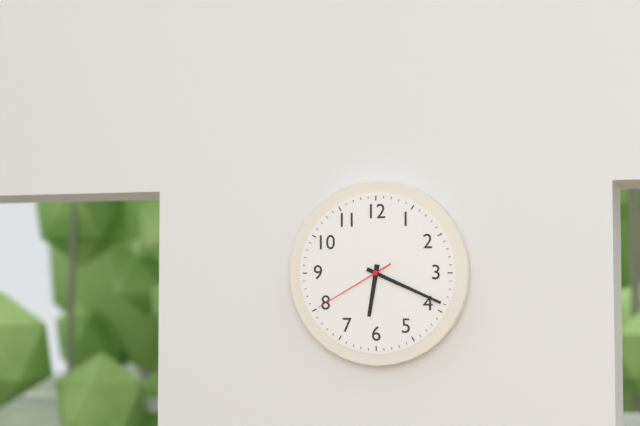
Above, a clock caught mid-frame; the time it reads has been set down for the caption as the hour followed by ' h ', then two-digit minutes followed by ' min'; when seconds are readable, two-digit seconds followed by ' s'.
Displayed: 6 h 19 min 40 s
